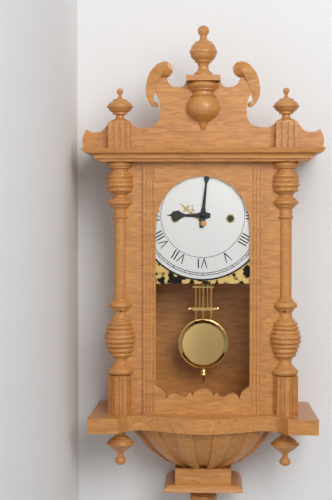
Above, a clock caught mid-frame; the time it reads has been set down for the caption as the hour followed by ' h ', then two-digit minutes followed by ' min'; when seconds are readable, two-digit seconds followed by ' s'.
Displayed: 9 h 01 min
